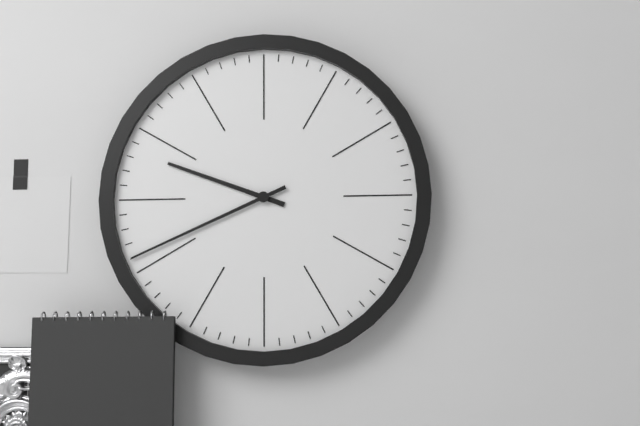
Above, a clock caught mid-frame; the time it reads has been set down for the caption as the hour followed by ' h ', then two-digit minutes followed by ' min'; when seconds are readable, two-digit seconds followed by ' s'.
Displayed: 9 h 41 min
